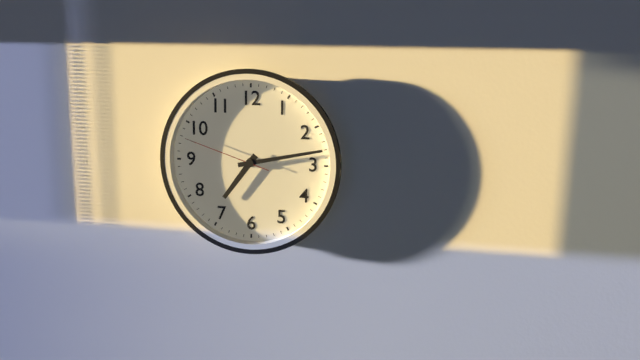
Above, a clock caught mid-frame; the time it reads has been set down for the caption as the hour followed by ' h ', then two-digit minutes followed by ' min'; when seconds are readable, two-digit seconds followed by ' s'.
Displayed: 7 h 13 min 48 s
